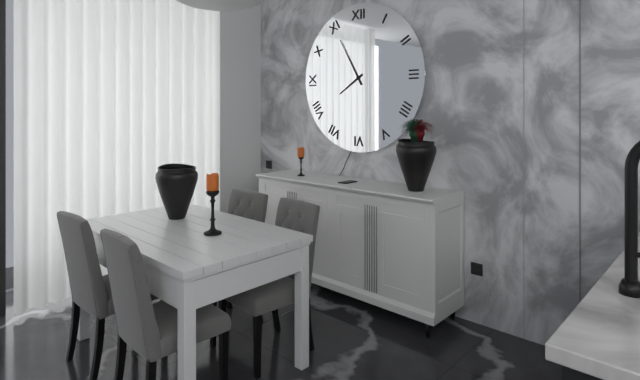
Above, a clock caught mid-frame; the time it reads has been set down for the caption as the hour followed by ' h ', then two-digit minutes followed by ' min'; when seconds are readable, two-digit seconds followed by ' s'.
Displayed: 7 h 55 min
